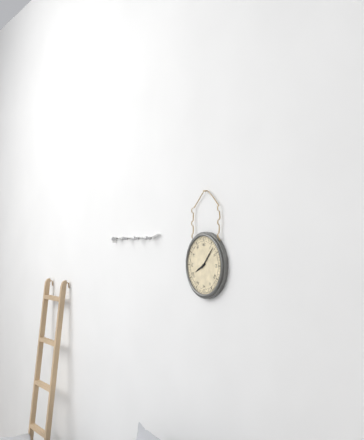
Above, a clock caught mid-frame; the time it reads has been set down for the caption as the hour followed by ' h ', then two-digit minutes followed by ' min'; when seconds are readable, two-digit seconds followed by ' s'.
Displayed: 8 h 07 min
